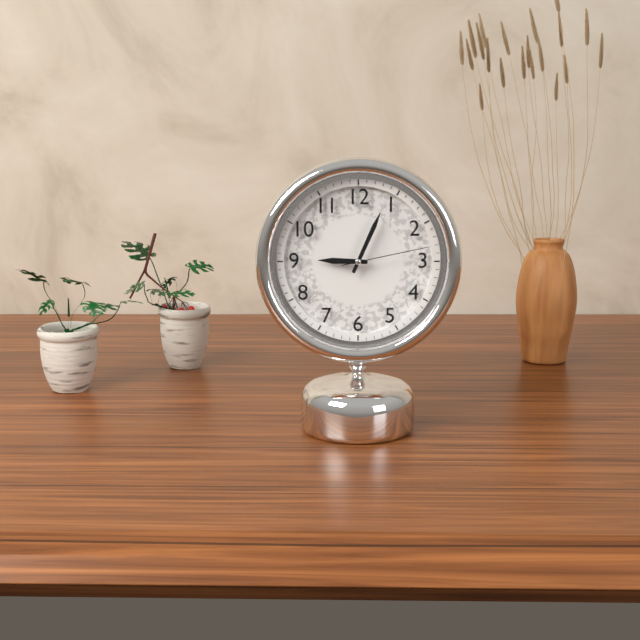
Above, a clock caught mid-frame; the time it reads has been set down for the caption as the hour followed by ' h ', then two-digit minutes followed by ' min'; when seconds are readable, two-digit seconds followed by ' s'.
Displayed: 9 h 04 min 13 s
